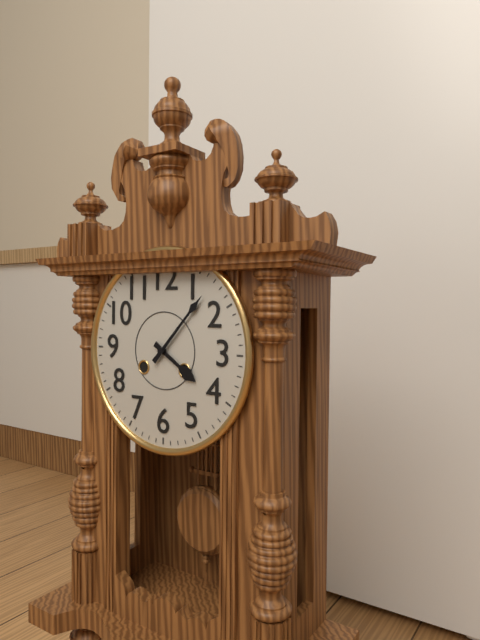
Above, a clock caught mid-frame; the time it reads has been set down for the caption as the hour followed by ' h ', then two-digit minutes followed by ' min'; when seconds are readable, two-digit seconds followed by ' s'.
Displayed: 4 h 07 min
